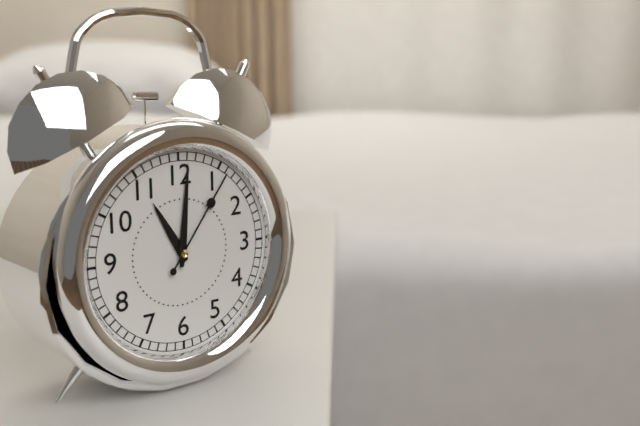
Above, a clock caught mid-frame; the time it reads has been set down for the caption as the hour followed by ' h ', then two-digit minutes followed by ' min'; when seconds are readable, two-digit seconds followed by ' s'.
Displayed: 11 h 01 min 06 s
